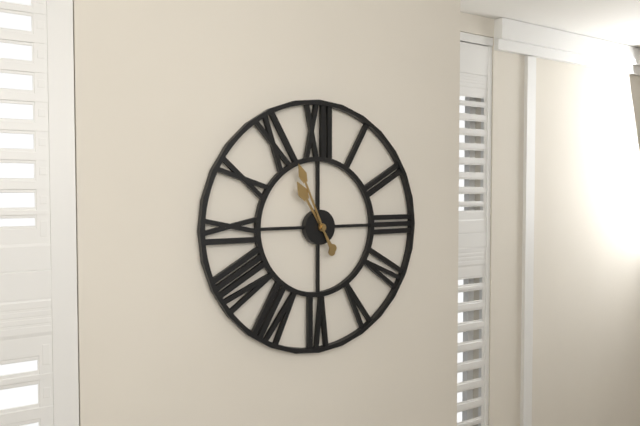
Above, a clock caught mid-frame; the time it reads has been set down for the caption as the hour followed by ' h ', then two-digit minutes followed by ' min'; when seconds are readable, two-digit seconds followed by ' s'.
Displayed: 10 h 56 min
